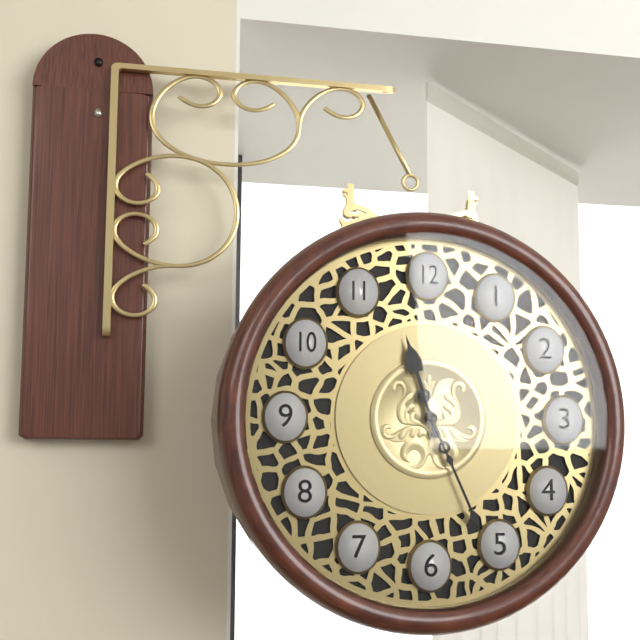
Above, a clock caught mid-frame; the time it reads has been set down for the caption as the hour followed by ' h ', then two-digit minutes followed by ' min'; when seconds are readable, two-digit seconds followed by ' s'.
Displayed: 11 h 26 min
